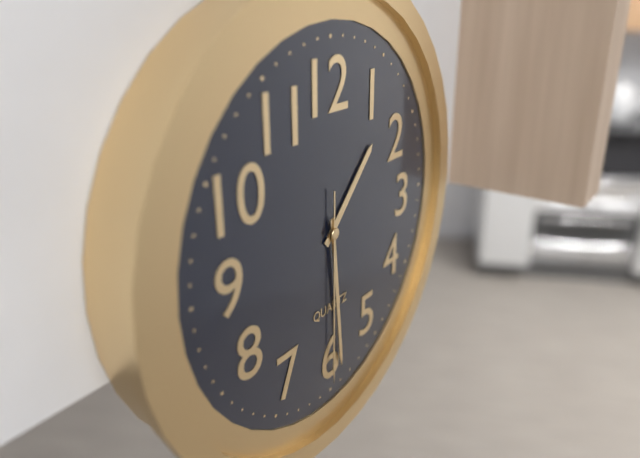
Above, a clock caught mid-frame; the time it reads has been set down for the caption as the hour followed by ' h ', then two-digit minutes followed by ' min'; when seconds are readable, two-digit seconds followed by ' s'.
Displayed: 1 h 29 min 30 s
